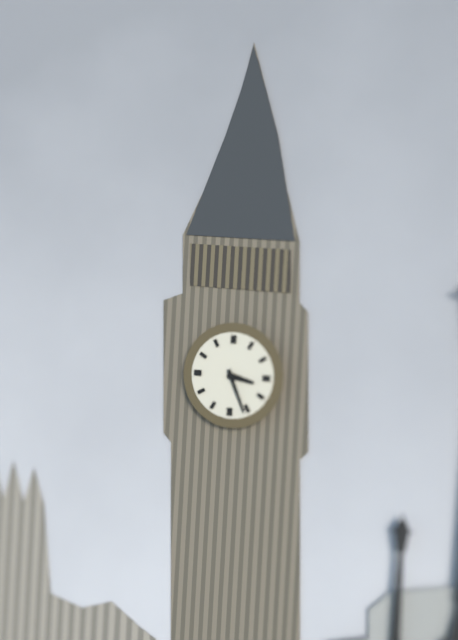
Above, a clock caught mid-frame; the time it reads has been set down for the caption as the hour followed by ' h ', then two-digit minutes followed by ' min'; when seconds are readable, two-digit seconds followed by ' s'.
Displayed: 3 h 26 min
